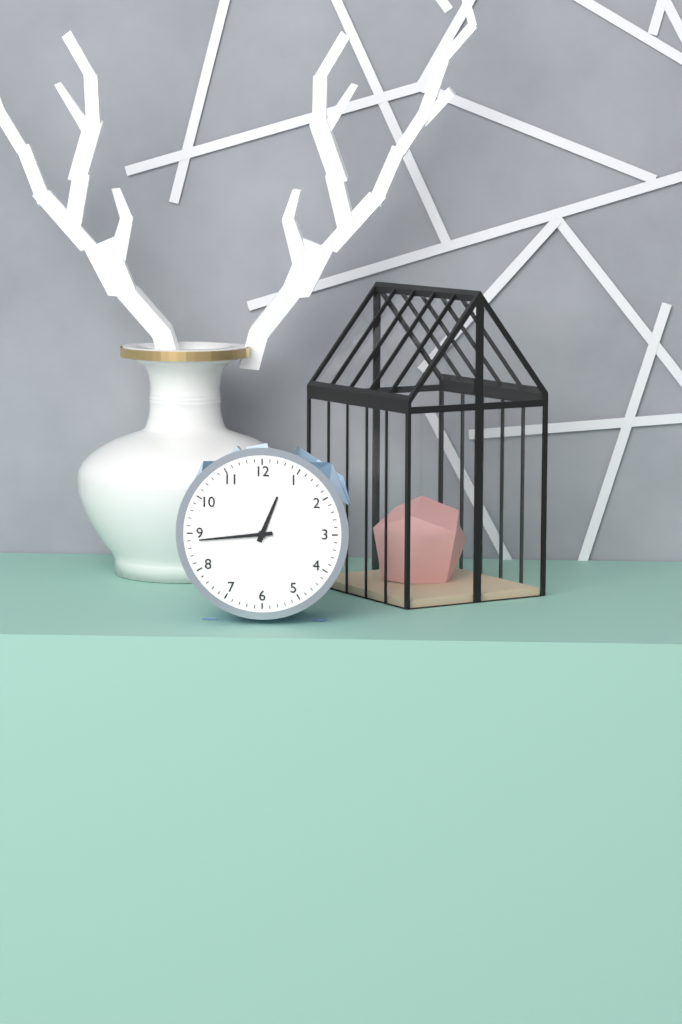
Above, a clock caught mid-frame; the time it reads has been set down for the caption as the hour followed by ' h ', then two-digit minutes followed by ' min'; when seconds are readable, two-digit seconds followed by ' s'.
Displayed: 12 h 44 min
